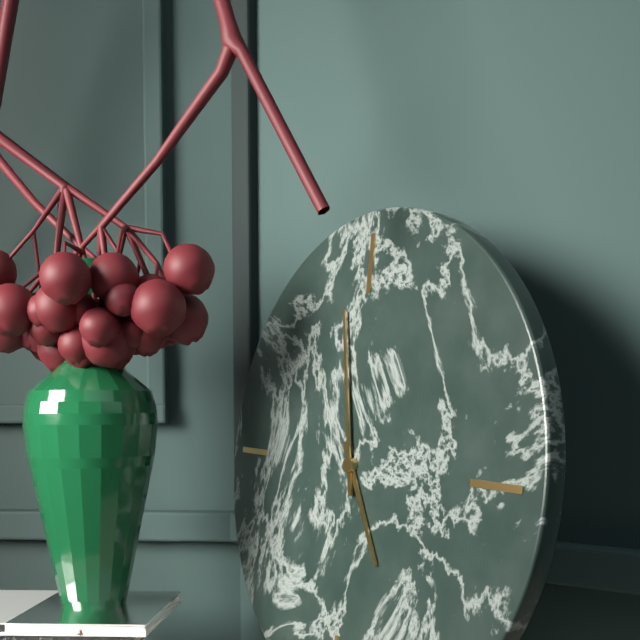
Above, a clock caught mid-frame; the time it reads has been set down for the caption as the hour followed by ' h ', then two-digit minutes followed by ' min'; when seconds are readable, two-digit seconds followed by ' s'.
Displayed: 4 h 58 min
